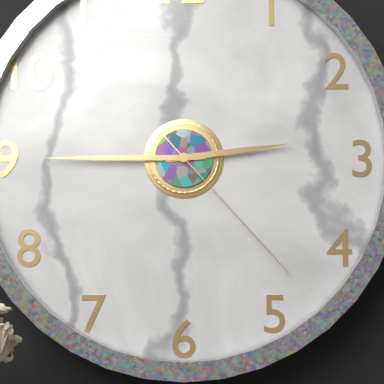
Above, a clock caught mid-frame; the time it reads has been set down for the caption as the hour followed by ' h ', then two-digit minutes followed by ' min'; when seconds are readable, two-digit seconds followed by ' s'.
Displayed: 2 h 45 min 23 s
